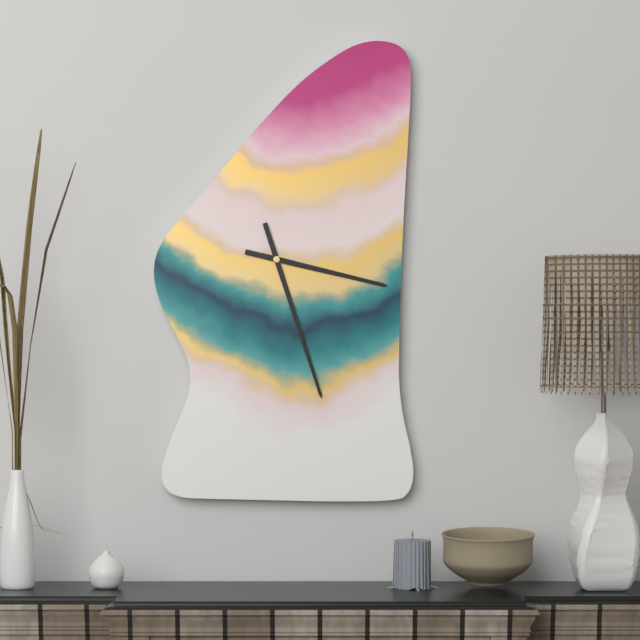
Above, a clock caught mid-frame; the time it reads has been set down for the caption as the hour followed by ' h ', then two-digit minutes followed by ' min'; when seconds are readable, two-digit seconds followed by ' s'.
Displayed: 3 h 27 min
